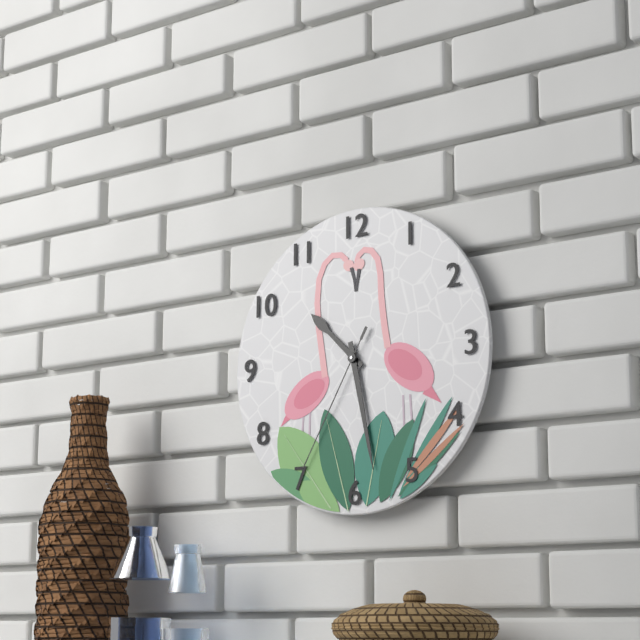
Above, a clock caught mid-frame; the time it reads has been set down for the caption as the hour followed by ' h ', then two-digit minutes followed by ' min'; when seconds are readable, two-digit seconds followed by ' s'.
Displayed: 10 h 28 min 35 s
